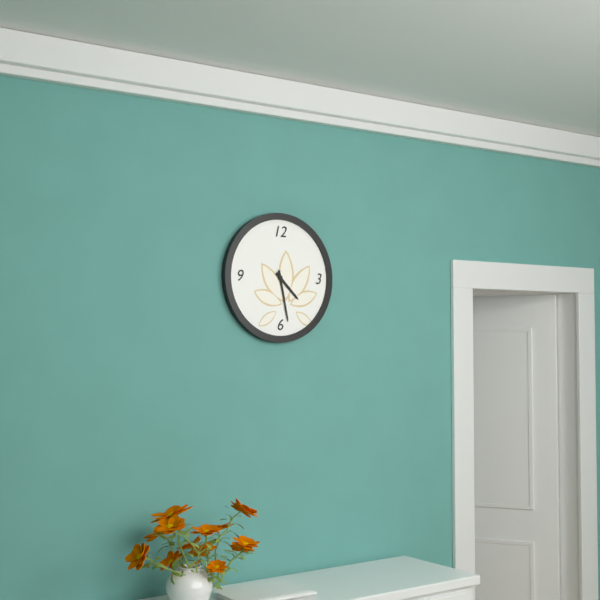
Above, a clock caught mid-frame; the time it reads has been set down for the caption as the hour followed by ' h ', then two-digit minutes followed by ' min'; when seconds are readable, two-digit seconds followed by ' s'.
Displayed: 4 h 28 min
